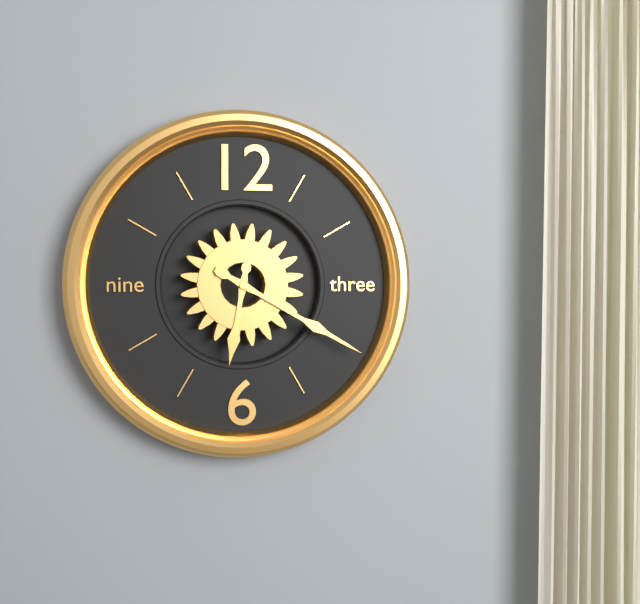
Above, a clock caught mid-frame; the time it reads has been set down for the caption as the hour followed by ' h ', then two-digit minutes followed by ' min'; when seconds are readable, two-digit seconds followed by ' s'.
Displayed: 6 h 20 min
